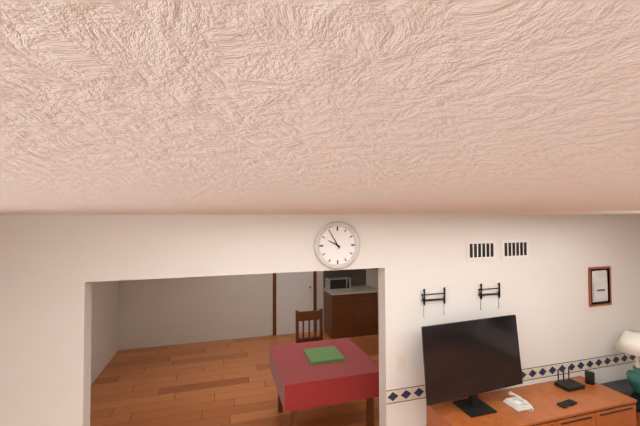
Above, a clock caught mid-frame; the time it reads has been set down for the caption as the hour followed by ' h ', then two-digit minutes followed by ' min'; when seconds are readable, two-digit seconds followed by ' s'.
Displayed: 9 h 55 min
